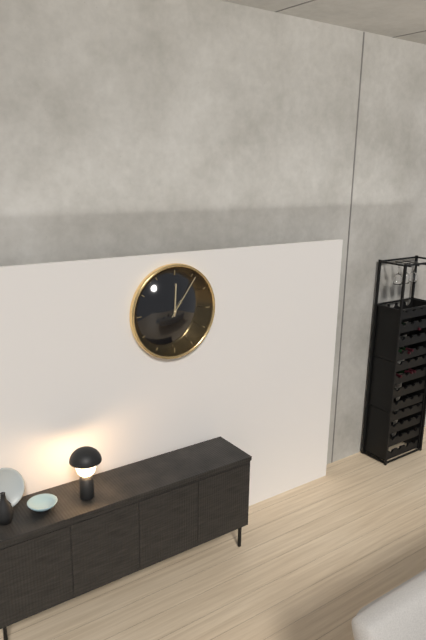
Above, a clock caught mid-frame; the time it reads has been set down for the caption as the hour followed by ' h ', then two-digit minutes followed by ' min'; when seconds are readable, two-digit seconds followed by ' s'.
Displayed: 12 h 06 min
